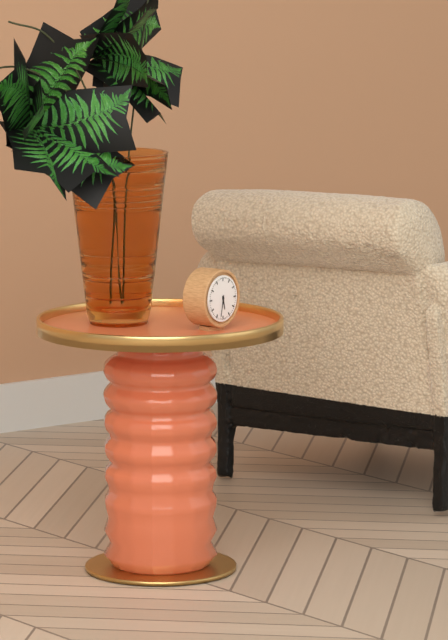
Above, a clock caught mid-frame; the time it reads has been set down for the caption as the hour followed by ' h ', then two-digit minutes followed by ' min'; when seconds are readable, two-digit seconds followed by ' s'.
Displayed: 5 h 32 min
